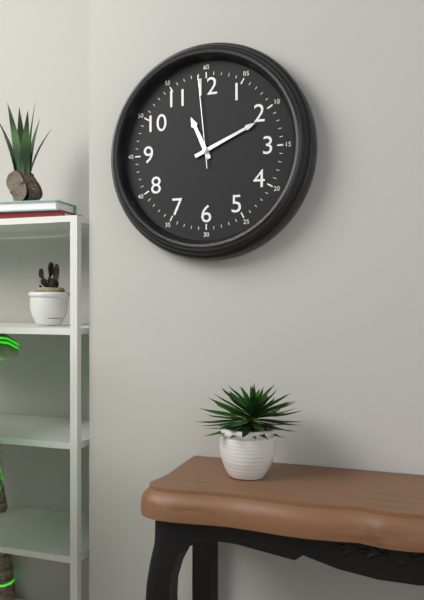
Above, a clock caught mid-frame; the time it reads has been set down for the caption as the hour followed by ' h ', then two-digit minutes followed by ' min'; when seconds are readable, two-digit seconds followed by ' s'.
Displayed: 11 h 11 min 59 s
